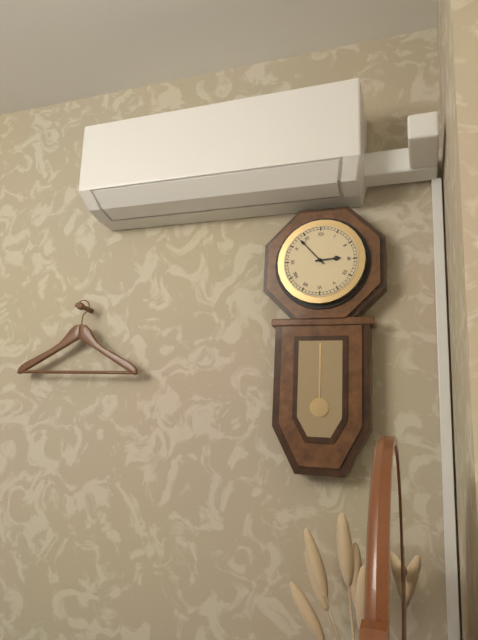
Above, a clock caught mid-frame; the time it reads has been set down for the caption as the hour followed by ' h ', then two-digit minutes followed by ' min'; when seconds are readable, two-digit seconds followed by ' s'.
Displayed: 2 h 53 min
